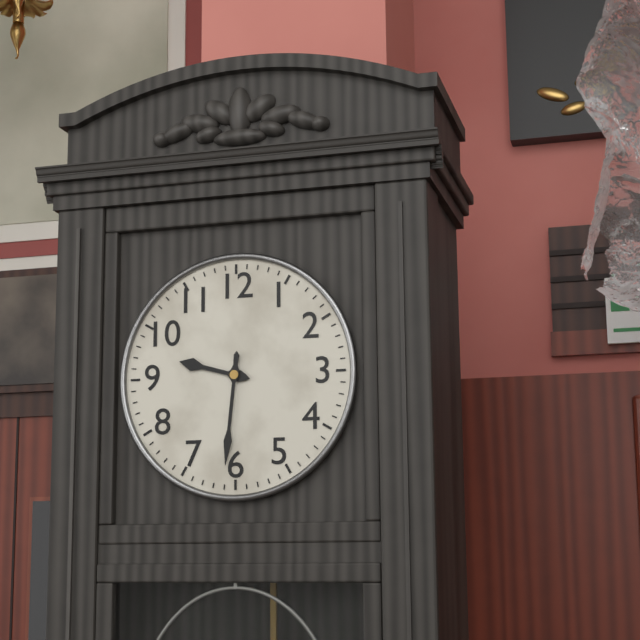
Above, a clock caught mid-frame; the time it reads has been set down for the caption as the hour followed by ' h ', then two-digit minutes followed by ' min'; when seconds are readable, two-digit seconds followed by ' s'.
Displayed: 9 h 31 min
